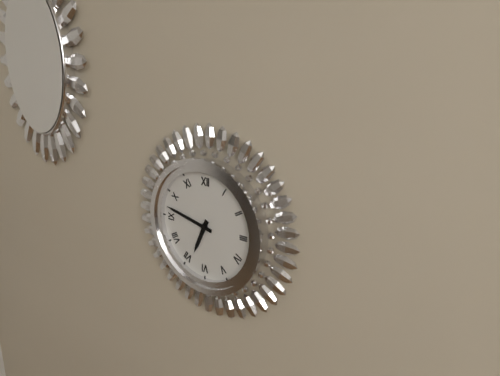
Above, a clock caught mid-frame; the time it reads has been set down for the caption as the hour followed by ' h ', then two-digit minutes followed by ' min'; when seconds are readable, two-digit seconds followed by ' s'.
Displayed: 6 h 47 min
